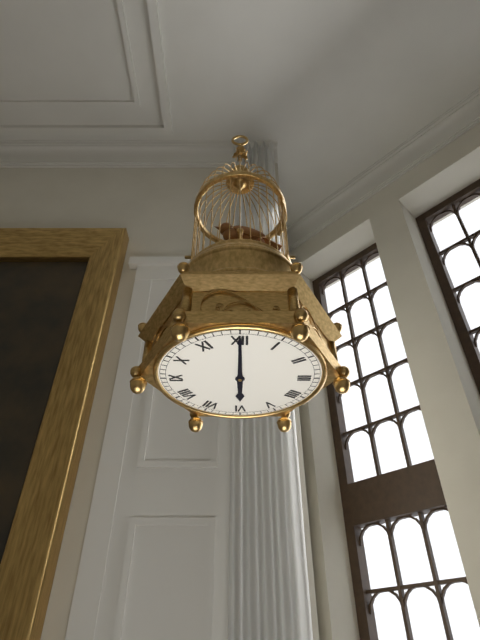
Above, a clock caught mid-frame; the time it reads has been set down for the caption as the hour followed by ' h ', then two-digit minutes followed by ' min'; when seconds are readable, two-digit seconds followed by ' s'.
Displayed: 6 h 00 min
